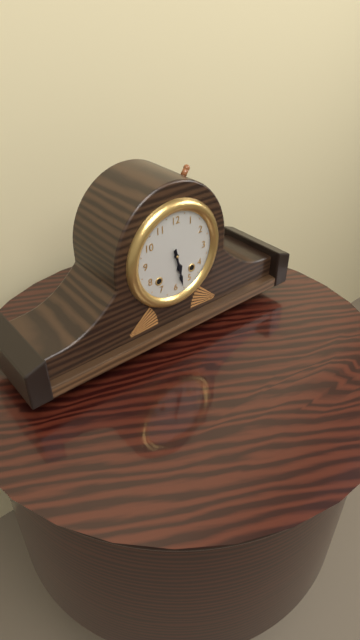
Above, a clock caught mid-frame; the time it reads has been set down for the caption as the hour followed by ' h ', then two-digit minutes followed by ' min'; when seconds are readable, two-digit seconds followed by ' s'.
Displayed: 5 h 28 min
